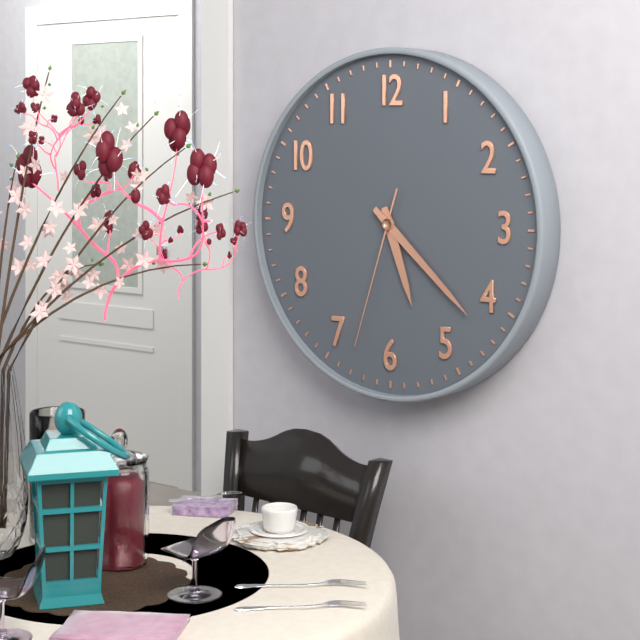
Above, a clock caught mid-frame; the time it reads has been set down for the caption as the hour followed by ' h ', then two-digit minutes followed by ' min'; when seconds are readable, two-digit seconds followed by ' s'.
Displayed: 5 h 22 min 33 s
